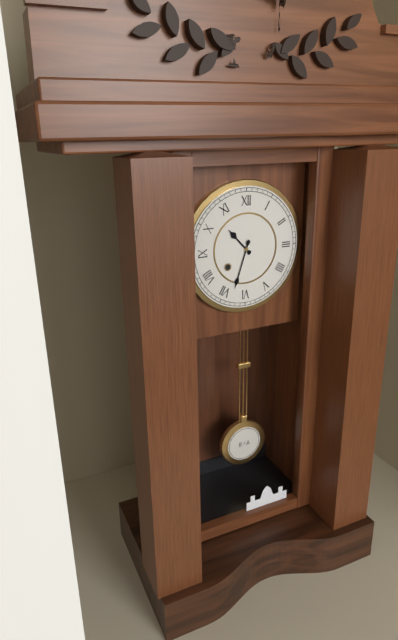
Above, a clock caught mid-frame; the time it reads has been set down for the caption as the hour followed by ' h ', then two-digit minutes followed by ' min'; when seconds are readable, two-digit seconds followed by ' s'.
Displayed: 10 h 33 min
